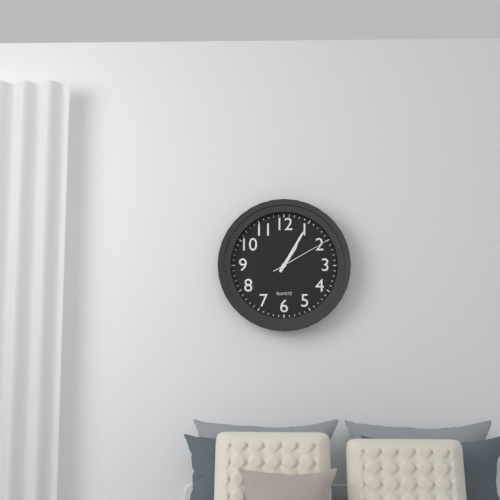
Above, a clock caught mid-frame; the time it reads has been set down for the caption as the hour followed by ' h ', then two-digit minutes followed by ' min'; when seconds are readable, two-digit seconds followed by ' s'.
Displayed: 1 h 05 min 10 s
